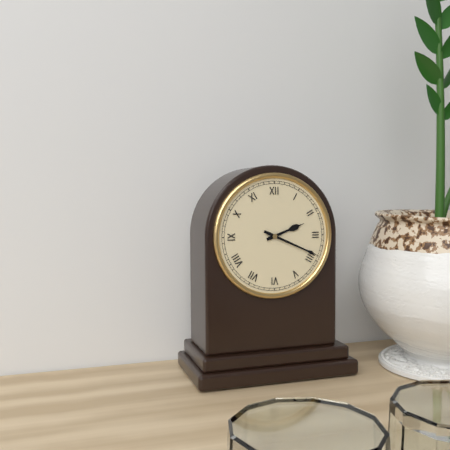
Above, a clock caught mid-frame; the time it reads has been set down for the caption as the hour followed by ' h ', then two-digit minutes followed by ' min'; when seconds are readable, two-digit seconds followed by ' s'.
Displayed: 2 h 19 min
